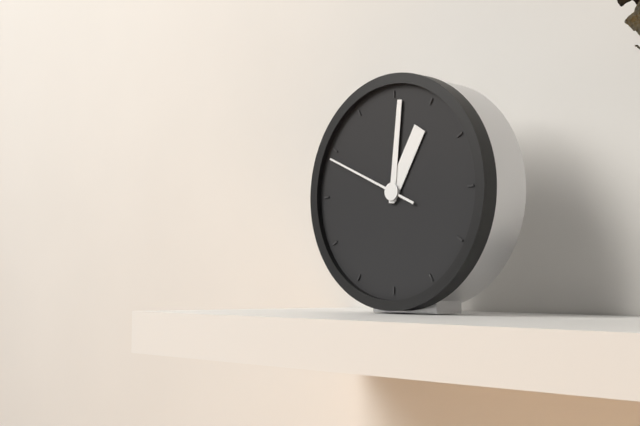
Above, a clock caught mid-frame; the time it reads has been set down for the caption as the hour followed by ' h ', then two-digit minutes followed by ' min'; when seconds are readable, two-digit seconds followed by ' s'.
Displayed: 1 h 01 min 49 s
